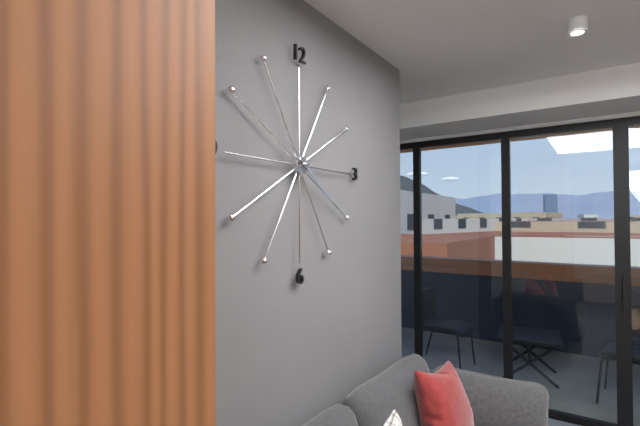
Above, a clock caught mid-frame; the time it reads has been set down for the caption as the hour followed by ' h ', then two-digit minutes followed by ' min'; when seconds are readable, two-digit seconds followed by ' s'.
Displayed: 10 h 21 min
